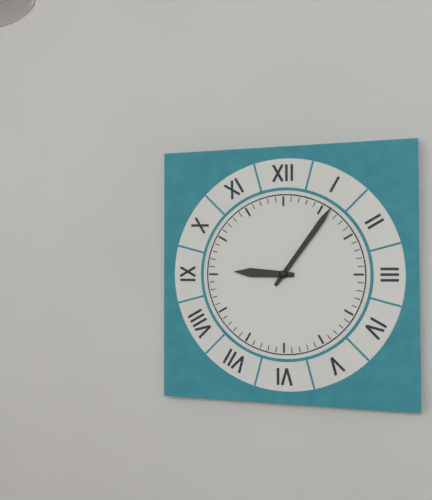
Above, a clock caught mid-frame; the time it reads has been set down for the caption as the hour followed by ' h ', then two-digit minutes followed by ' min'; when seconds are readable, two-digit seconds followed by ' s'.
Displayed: 9 h 06 min
